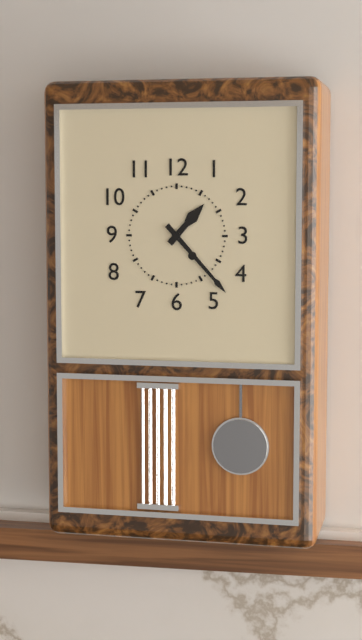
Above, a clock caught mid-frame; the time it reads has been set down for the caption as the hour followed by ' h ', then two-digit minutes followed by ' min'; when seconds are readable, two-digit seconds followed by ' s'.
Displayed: 1 h 23 min
